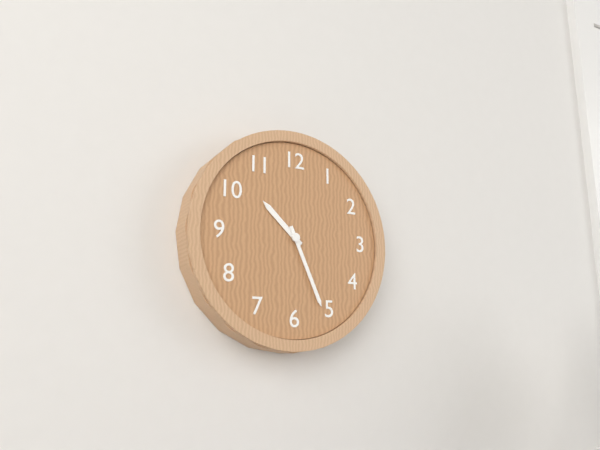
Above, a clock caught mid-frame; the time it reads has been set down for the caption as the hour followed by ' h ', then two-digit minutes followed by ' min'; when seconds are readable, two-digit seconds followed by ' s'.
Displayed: 10 h 26 min
